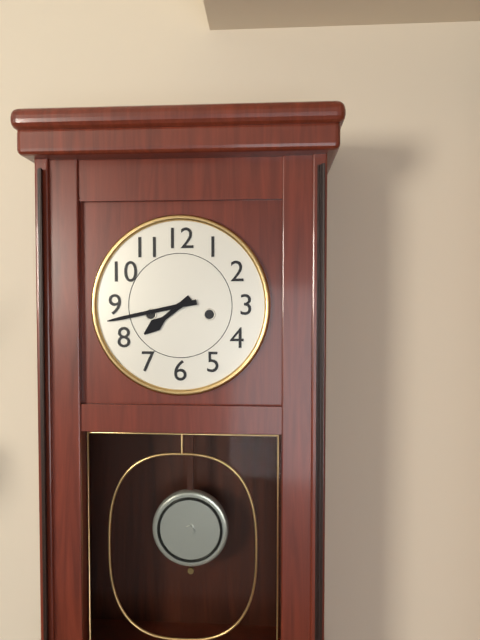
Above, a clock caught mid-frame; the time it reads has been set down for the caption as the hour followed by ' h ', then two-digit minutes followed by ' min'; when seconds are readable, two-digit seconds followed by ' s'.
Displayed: 7 h 43 min
